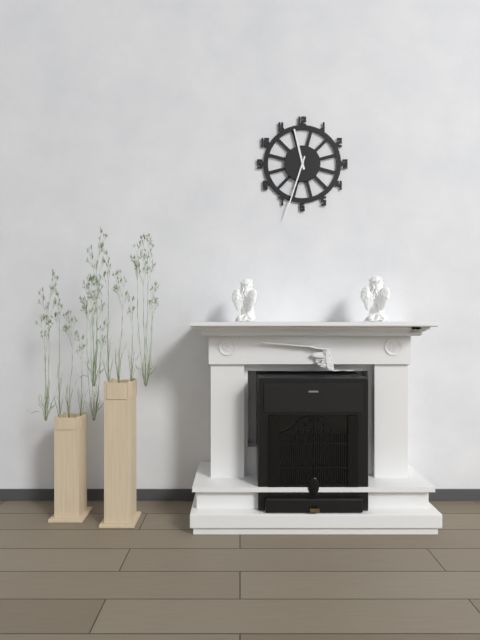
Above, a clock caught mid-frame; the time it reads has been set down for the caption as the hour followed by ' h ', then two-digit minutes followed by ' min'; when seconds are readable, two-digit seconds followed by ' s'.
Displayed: 11 h 33 min
